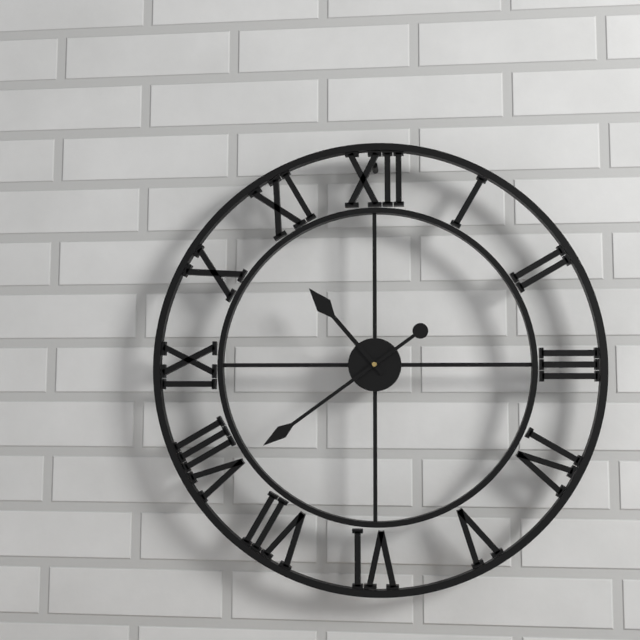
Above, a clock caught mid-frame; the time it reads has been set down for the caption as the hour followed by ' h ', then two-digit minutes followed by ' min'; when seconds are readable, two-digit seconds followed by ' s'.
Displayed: 10 h 39 min
